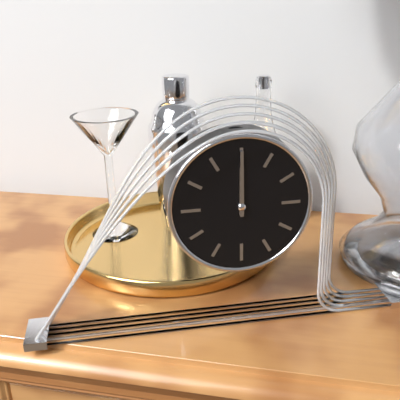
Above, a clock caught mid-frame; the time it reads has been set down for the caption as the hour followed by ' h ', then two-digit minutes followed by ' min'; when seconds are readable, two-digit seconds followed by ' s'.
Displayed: 12 h 00 min
